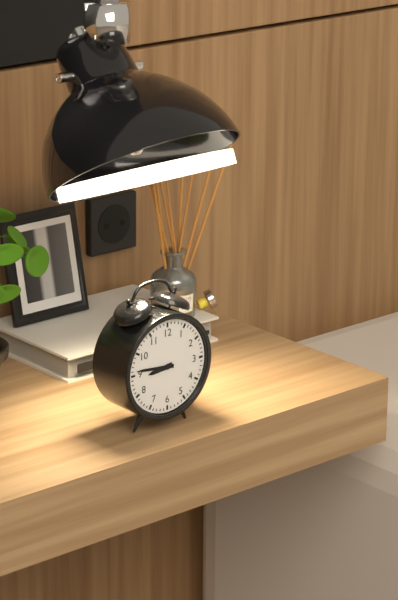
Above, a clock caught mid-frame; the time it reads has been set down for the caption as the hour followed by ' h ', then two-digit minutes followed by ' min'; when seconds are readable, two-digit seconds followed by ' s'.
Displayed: 8 h 46 min
